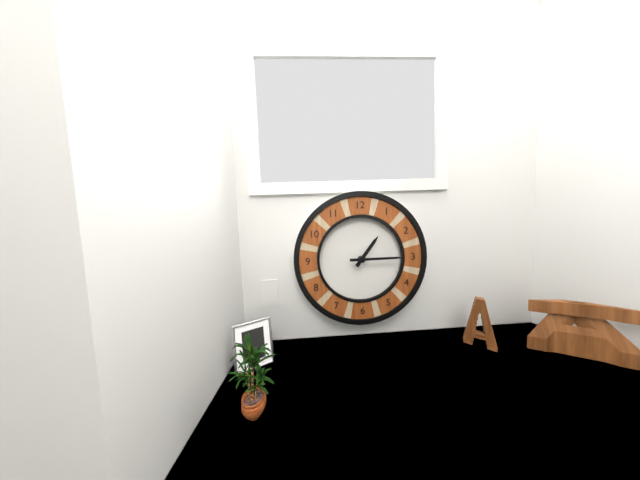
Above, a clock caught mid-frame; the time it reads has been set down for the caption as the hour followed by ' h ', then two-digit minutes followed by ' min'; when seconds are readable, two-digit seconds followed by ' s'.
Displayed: 1 h 15 min
